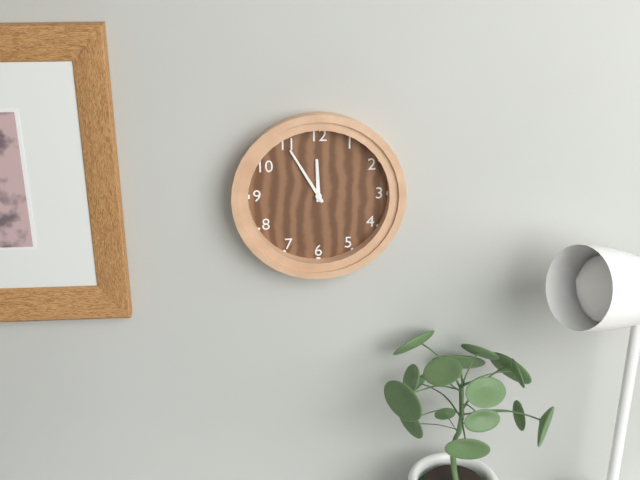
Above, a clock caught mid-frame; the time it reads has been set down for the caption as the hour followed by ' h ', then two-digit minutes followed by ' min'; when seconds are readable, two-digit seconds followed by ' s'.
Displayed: 11 h 55 min
